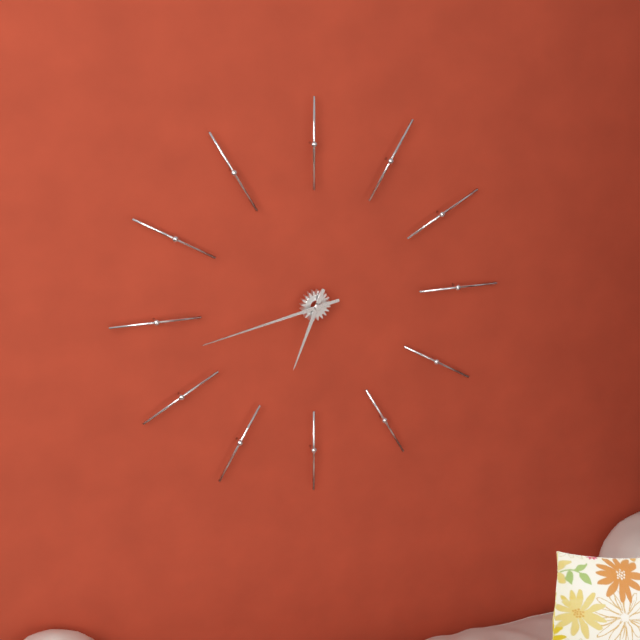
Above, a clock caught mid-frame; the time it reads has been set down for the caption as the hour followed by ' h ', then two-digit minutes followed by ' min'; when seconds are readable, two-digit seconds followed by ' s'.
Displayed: 6 h 43 min
